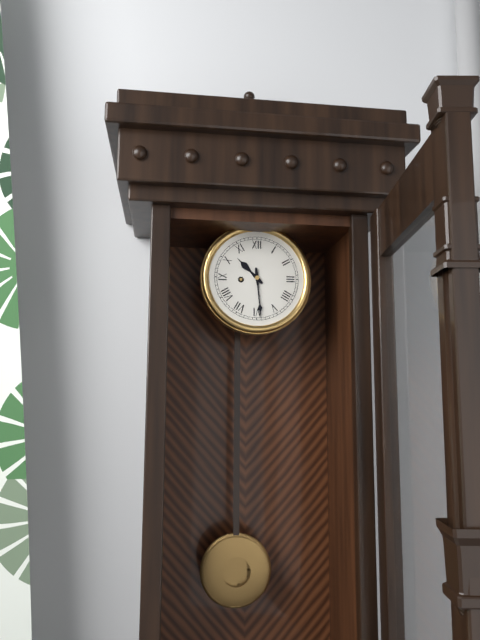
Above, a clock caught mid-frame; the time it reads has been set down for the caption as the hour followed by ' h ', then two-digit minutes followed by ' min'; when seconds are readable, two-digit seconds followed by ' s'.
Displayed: 10 h 29 min
